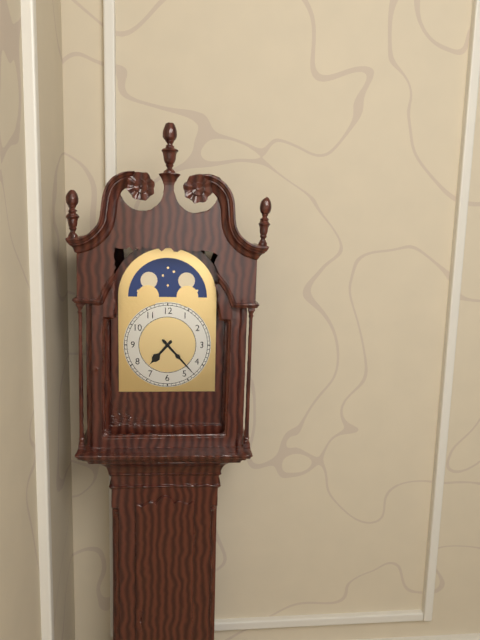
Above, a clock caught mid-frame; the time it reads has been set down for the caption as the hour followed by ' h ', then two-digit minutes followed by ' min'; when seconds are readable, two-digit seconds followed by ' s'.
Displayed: 7 h 23 min
